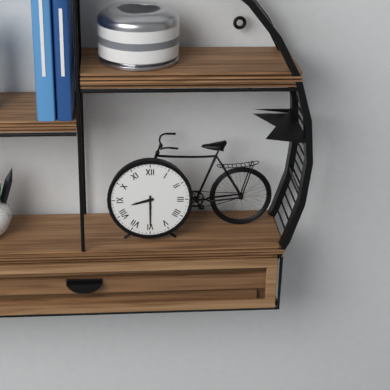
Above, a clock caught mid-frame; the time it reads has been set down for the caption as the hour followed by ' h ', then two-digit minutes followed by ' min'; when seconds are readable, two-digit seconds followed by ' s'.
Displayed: 8 h 30 min
